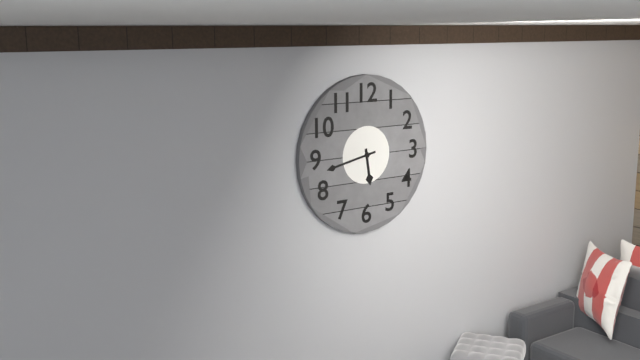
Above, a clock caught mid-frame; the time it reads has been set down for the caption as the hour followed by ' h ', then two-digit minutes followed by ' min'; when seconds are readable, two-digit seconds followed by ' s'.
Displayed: 5 h 43 min
